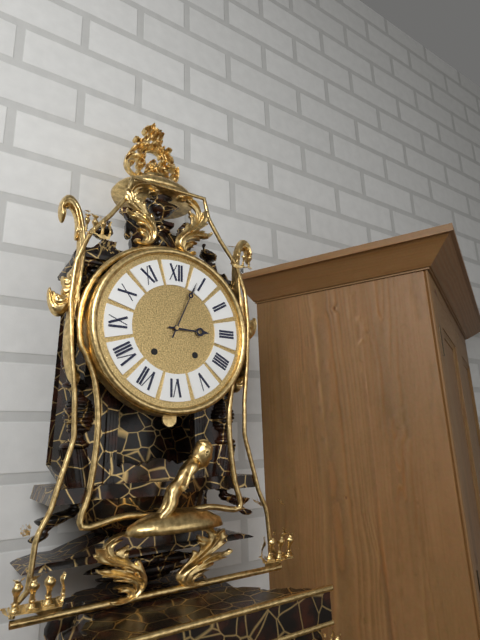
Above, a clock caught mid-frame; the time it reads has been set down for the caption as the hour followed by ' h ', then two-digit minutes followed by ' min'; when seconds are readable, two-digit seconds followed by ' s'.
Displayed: 3 h 04 min
